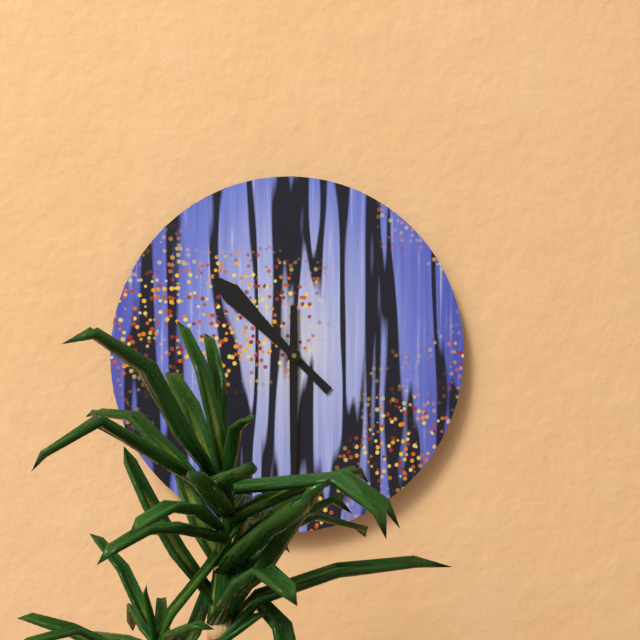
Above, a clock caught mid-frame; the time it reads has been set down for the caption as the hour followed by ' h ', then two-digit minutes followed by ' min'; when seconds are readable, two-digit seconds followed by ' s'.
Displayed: 10 h 30 min
